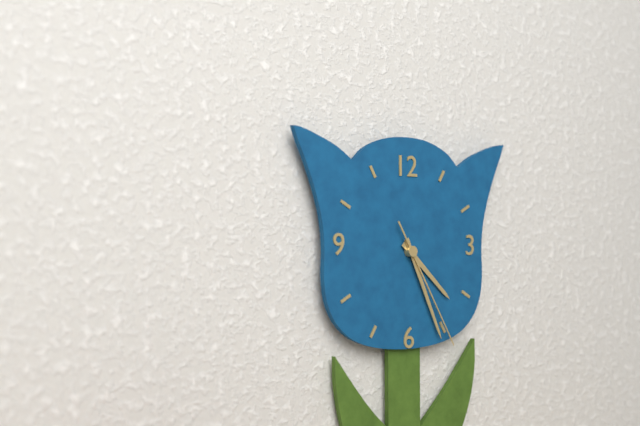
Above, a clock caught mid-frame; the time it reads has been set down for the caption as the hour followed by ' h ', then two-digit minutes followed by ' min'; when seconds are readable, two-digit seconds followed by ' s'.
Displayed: 4 h 26 min 25 s
